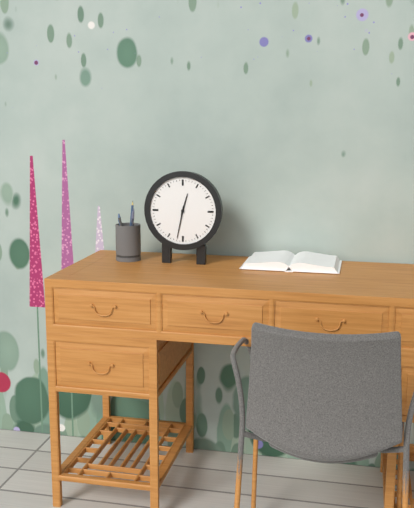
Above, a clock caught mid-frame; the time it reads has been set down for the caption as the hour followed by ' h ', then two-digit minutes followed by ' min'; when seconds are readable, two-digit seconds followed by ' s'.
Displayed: 12 h 32 min
